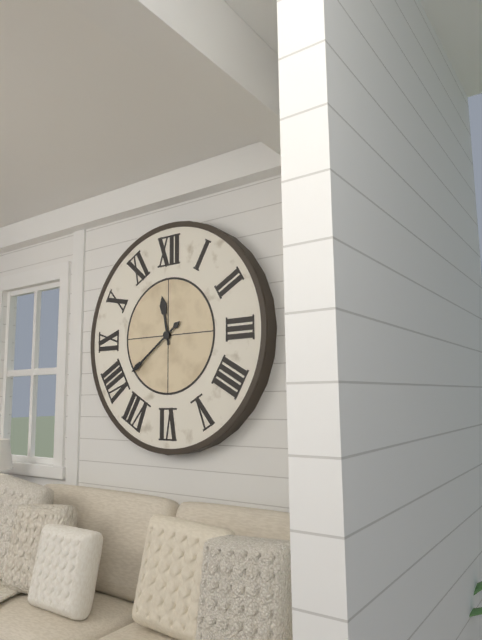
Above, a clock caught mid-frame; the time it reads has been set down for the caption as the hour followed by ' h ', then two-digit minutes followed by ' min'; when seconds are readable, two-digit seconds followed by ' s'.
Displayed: 11 h 39 min
